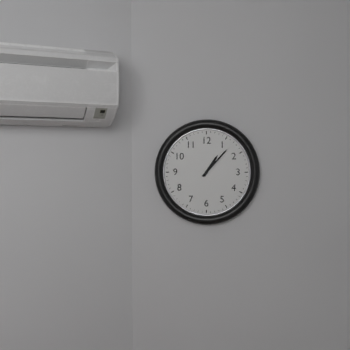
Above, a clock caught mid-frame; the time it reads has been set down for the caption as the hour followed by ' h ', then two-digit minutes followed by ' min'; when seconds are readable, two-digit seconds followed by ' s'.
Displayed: 1 h 07 min
